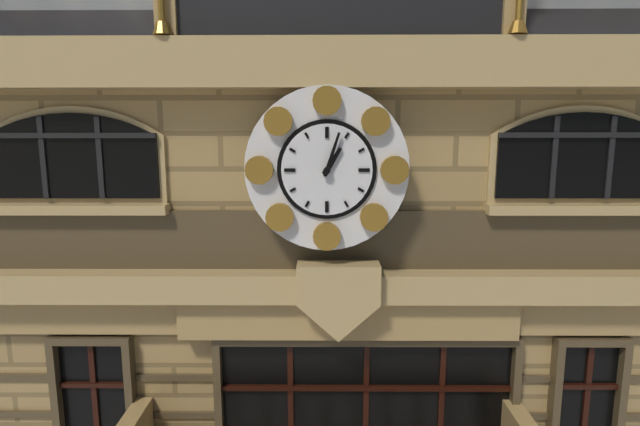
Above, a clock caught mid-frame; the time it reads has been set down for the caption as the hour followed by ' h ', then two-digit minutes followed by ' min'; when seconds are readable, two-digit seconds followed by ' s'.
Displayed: 1 h 03 min
